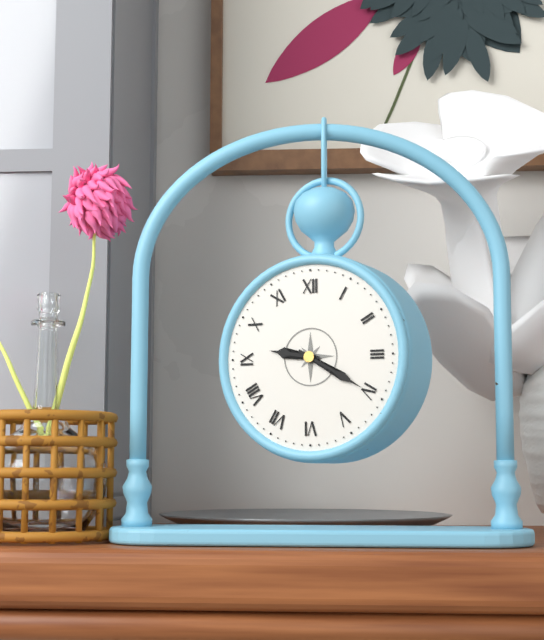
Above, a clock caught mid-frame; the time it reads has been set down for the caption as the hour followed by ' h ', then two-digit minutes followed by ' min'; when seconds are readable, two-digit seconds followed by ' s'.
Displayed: 9 h 20 min
